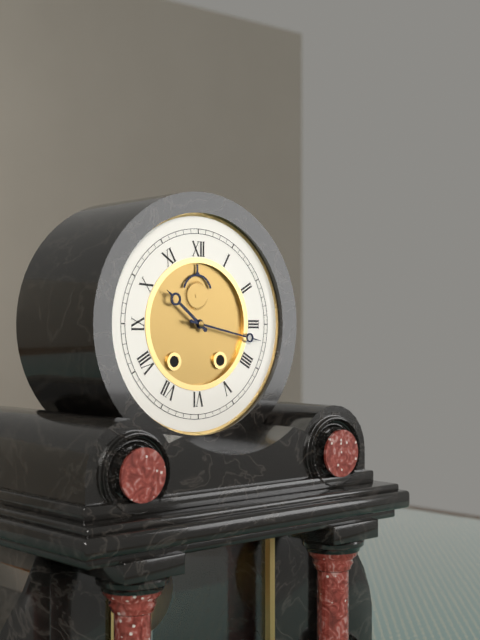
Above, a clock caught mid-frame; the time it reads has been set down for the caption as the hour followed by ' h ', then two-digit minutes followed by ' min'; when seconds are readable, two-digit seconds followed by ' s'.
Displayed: 10 h 17 min
